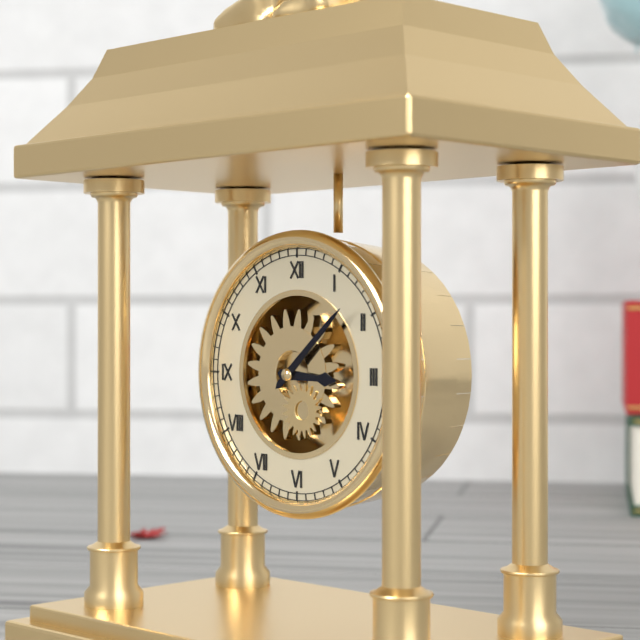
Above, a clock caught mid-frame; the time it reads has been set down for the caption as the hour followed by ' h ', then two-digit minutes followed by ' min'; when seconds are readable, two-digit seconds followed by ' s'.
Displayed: 3 h 08 min
